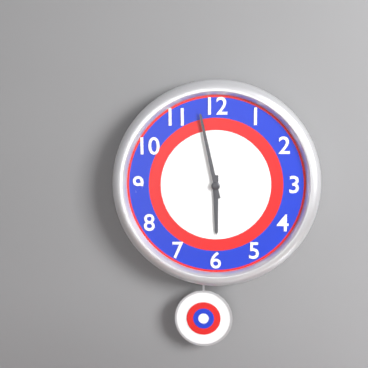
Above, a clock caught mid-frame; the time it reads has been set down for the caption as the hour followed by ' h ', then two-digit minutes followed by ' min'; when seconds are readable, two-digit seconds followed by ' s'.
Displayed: 5 h 58 min
